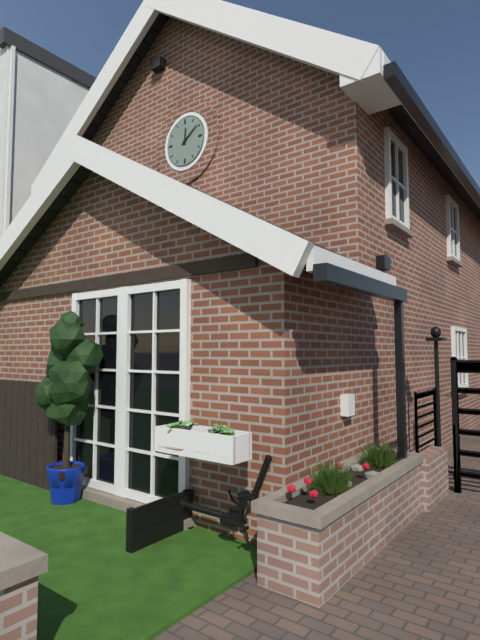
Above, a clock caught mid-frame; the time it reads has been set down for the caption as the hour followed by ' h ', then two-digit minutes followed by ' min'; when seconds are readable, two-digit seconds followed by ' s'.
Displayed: 12 h 09 min
